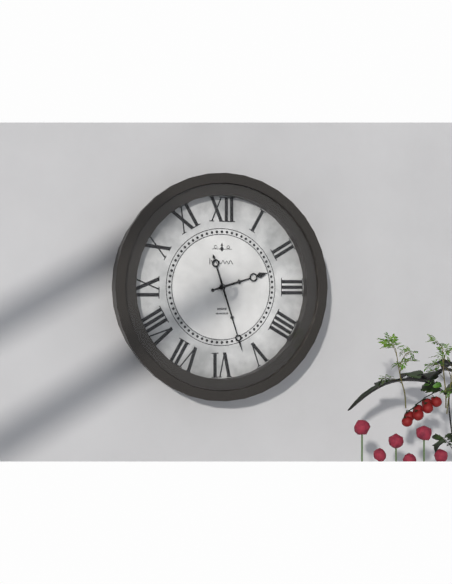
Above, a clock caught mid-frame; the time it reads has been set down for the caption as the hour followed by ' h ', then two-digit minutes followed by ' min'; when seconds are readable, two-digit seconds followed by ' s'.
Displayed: 2 h 27 min
